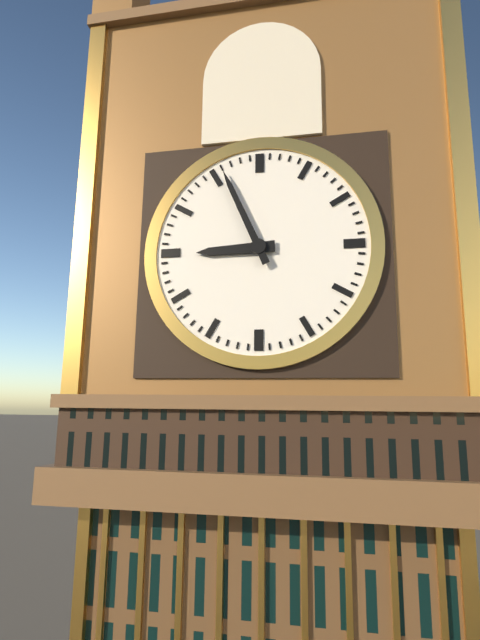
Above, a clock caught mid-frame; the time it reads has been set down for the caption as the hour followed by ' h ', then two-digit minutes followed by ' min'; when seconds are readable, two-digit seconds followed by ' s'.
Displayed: 8 h 56 min
